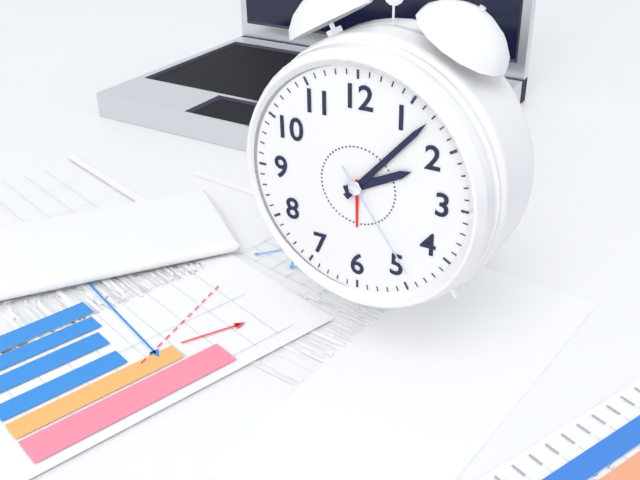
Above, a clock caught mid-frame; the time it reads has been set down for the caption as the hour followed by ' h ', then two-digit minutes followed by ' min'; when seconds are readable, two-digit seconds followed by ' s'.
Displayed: 2 h 07 min 24 s
